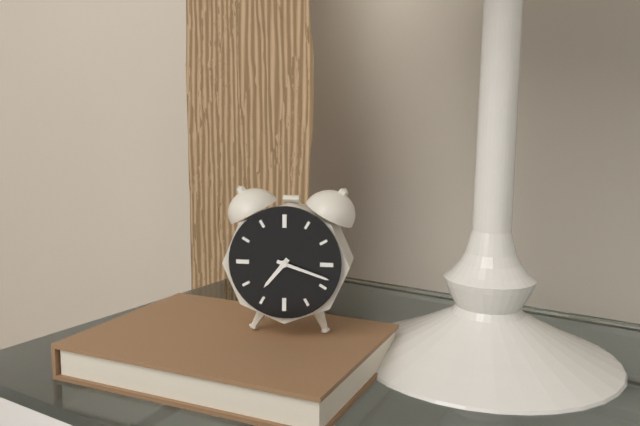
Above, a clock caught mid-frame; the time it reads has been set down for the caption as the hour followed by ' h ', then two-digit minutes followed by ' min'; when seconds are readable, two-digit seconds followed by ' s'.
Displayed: 7 h 18 min
